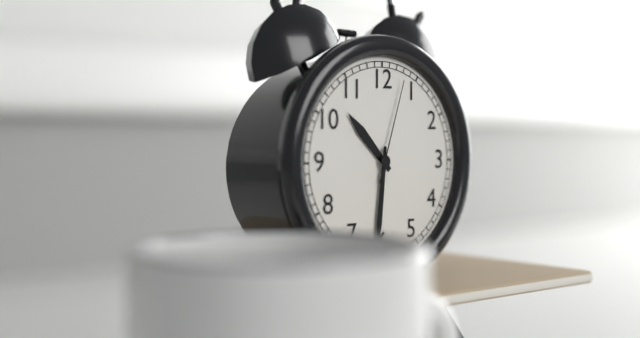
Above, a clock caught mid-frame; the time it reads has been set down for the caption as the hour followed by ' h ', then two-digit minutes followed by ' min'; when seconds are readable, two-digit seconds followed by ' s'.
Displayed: 10 h 31 min 03 s
